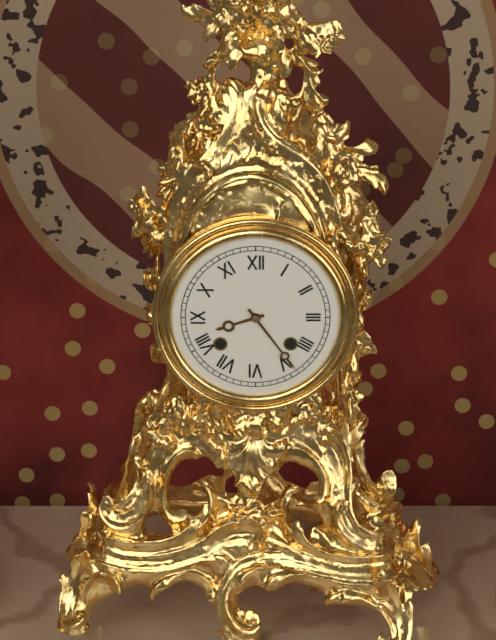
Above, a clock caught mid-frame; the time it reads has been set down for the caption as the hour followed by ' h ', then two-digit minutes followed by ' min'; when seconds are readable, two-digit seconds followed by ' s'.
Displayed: 8 h 24 min
